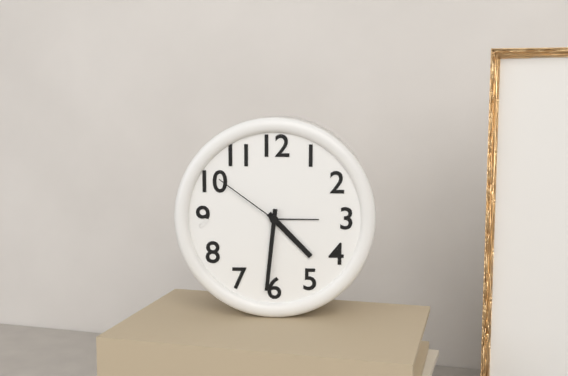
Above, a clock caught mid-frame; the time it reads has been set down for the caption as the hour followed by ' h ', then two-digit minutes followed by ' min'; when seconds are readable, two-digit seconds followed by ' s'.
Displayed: 4 h 31 min 51 s
